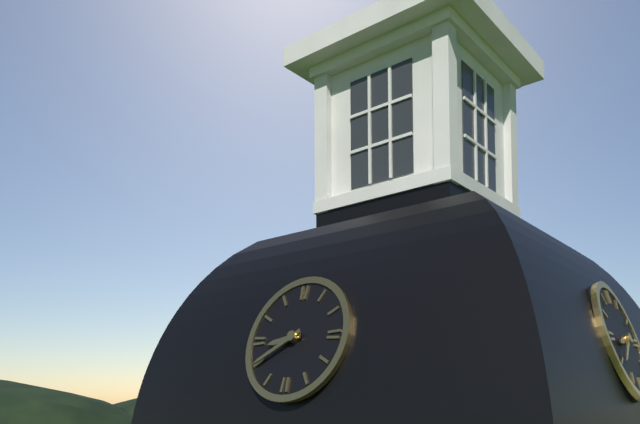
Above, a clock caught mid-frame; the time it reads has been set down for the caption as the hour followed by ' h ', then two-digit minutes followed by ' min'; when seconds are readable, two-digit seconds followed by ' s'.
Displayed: 8 h 40 min
